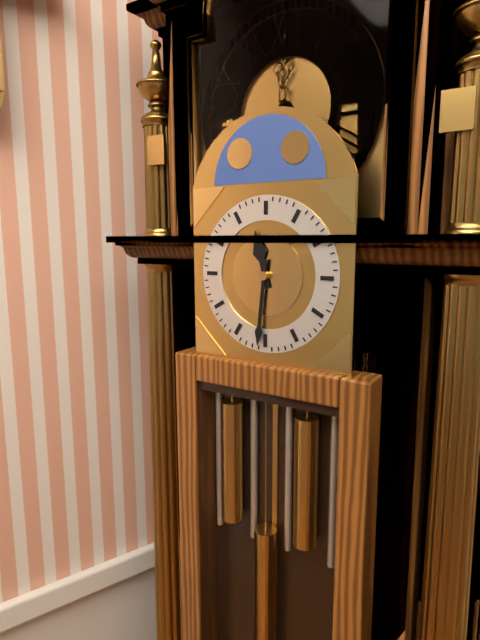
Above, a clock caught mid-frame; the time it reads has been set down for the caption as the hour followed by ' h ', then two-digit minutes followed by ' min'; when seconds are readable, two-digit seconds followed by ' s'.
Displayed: 11 h 31 min
